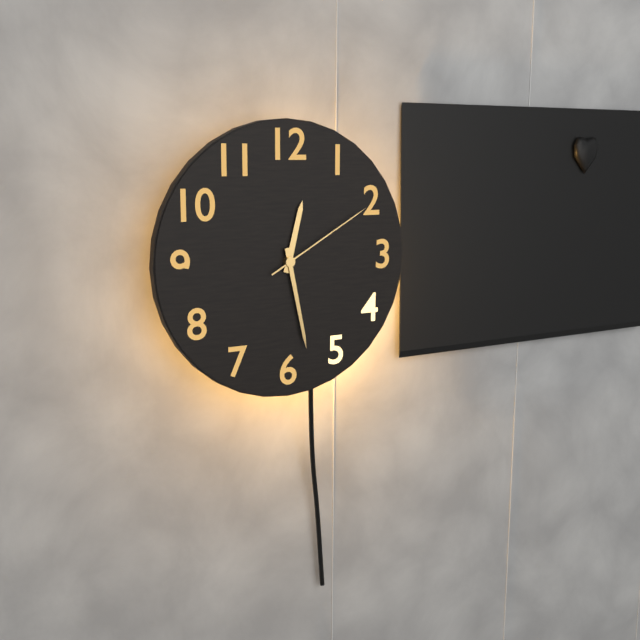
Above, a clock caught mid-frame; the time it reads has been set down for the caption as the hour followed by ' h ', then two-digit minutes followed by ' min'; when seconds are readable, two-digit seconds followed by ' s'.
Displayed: 12 h 28 min 10 s
